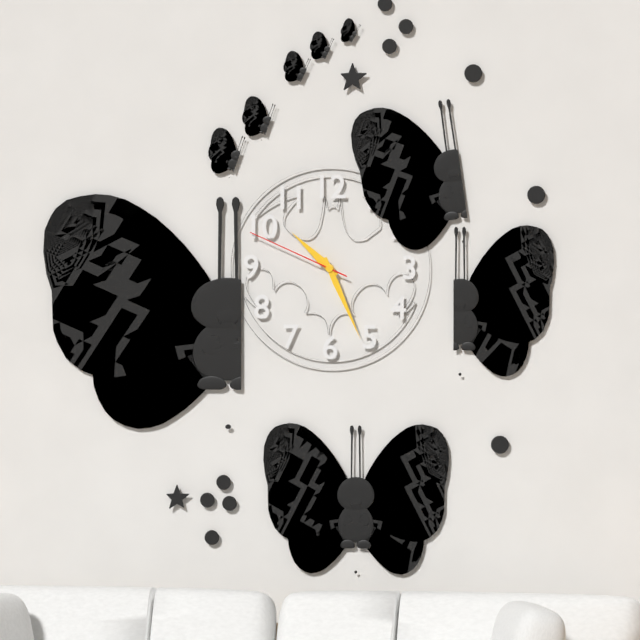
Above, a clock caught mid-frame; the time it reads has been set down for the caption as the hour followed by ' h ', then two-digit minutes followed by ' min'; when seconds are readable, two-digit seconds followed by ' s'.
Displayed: 10 h 26 min 49 s
